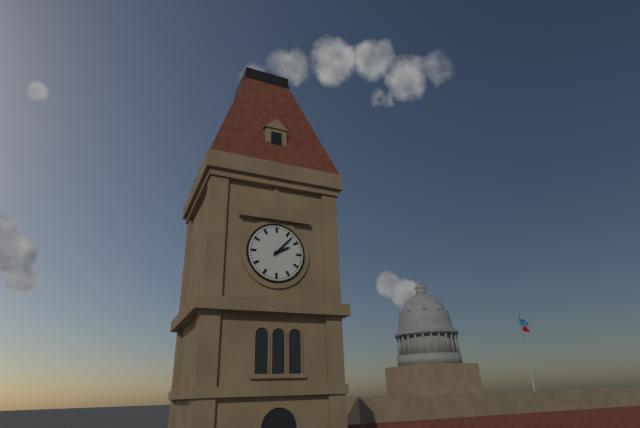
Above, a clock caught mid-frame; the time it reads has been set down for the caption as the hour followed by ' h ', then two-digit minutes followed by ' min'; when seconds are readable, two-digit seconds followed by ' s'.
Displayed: 2 h 07 min
